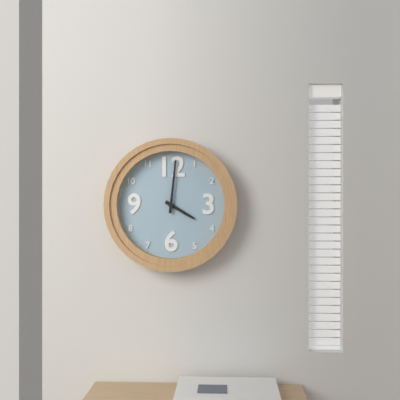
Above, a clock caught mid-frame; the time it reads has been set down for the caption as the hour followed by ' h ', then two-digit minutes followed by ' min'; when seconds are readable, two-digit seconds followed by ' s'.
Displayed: 4 h 01 min
